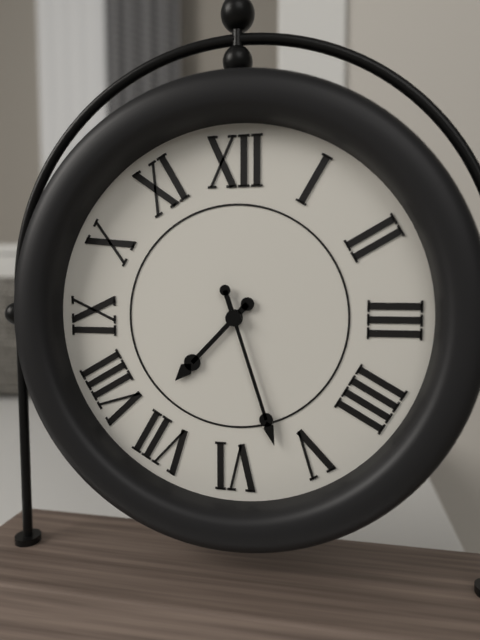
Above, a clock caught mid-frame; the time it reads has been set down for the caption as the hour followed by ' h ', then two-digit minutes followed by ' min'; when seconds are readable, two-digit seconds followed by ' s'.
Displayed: 7 h 27 min
